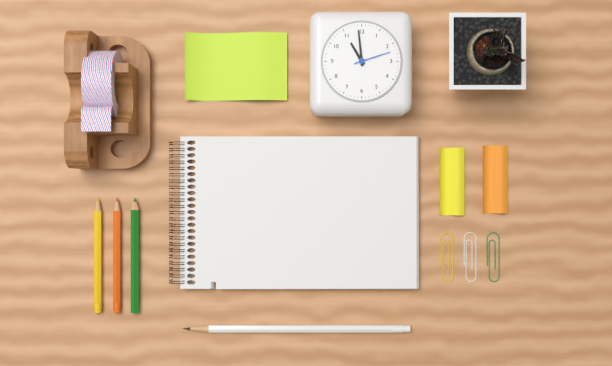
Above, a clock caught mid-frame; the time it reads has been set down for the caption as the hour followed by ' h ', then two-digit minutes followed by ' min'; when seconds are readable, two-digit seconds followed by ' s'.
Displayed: 10 h 59 min
